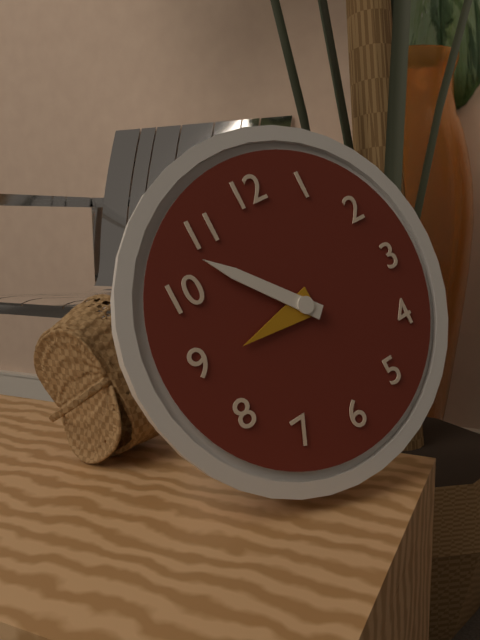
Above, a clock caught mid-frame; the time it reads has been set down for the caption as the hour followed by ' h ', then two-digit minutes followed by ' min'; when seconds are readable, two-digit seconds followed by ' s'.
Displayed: 8 h 53 min
